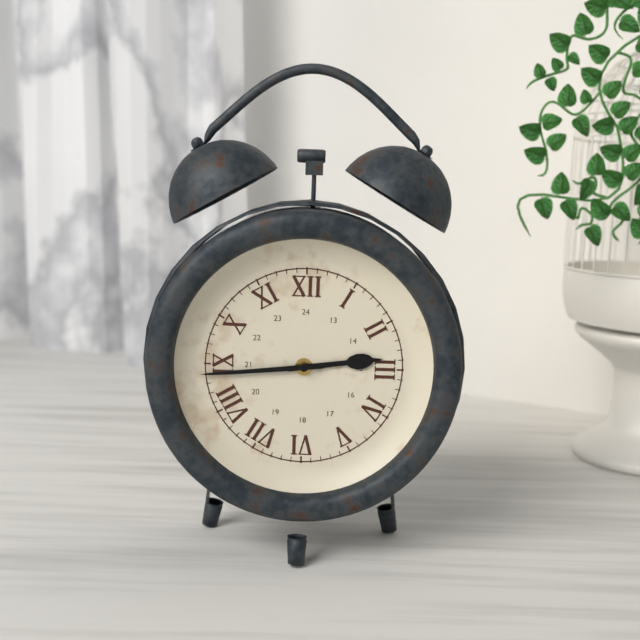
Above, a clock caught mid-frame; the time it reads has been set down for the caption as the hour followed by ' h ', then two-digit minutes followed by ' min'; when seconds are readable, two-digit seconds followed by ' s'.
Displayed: 2 h 44 min
